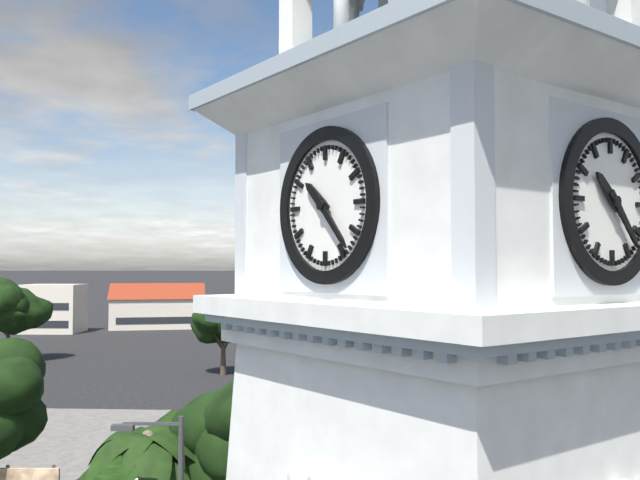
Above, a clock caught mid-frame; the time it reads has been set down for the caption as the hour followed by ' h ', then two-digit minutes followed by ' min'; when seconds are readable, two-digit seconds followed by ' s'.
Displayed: 10 h 23 min
